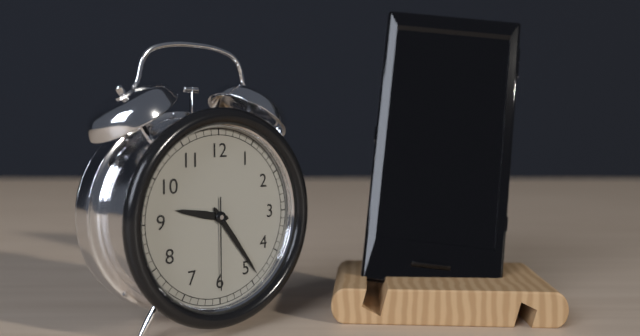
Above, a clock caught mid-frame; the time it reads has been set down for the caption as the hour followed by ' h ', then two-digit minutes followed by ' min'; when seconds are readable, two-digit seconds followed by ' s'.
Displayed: 9 h 24 min 30 s
